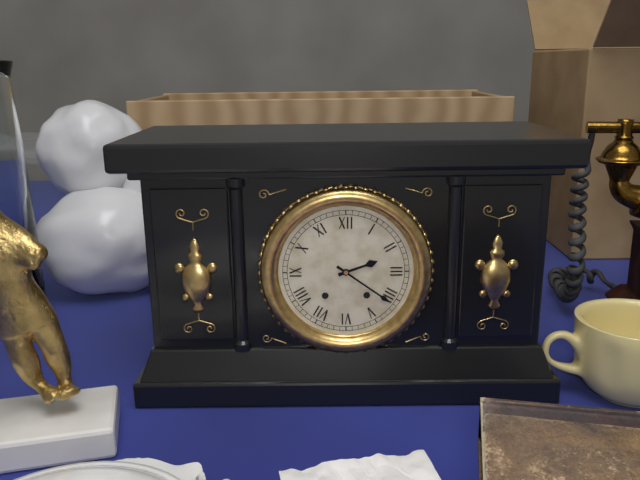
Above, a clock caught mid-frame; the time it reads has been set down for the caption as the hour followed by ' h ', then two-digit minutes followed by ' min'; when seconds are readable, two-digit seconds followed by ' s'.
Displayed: 2 h 21 min
